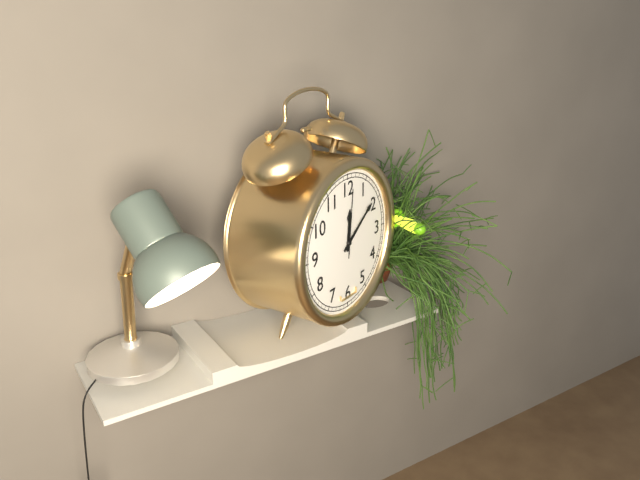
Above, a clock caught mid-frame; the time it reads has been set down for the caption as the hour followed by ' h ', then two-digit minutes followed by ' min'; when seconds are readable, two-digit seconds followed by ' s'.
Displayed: 12 h 09 min 01 s
